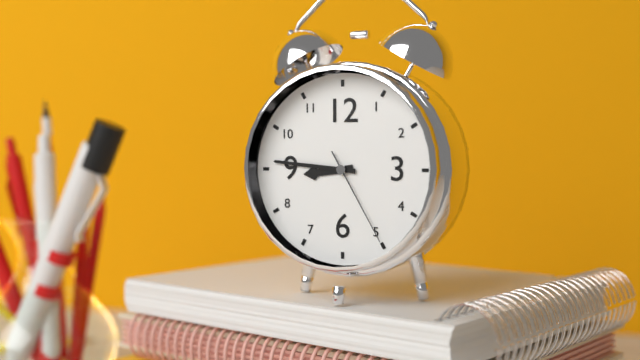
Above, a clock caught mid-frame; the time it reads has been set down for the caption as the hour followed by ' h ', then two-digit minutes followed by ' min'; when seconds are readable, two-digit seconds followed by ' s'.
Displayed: 8 h 46 min 25 s
